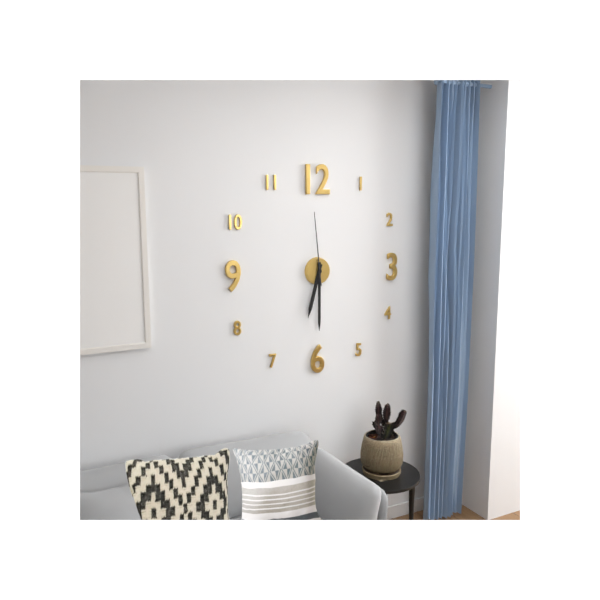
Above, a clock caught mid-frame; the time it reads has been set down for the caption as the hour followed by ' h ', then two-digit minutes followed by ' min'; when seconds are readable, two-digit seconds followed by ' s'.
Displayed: 6 h 30 min 59 s
